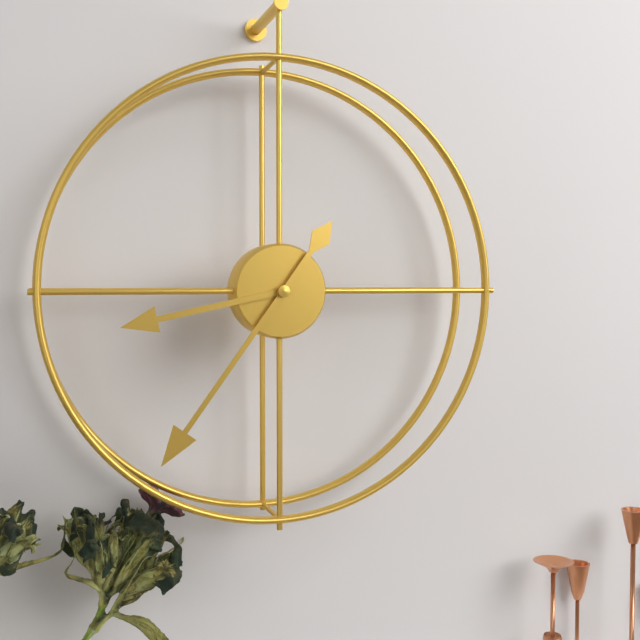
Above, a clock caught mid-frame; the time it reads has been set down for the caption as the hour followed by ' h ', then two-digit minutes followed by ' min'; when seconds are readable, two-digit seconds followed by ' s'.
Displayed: 8 h 36 min
